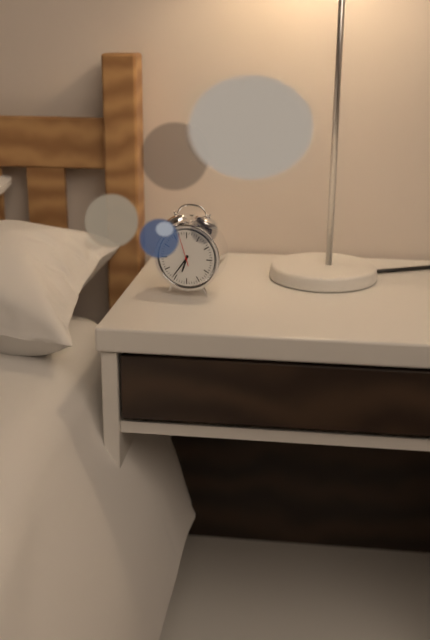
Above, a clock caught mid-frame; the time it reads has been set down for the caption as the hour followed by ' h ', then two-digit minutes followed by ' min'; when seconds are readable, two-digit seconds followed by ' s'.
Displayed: 6 h 36 min
